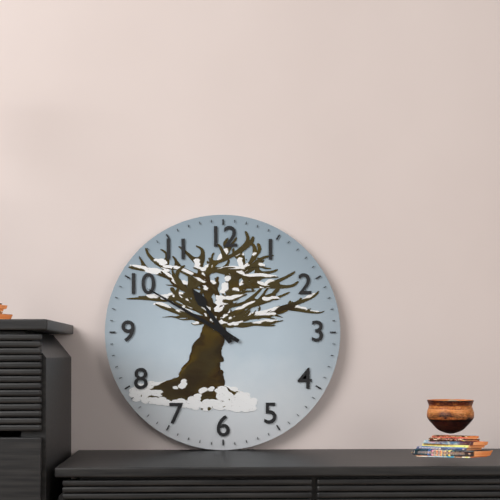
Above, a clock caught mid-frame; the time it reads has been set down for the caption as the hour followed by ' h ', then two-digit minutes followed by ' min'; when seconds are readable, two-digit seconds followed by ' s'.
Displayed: 10 h 50 min
